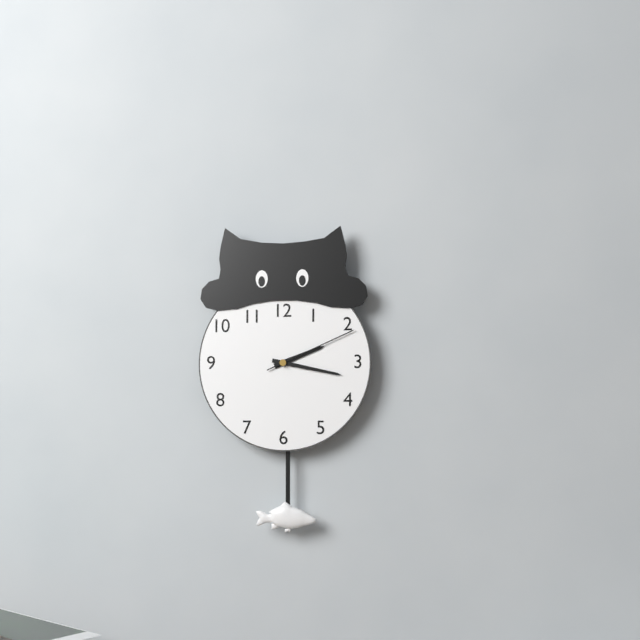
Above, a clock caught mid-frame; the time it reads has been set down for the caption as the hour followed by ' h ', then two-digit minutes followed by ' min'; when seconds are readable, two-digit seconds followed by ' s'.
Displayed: 2 h 17 min 11 s
